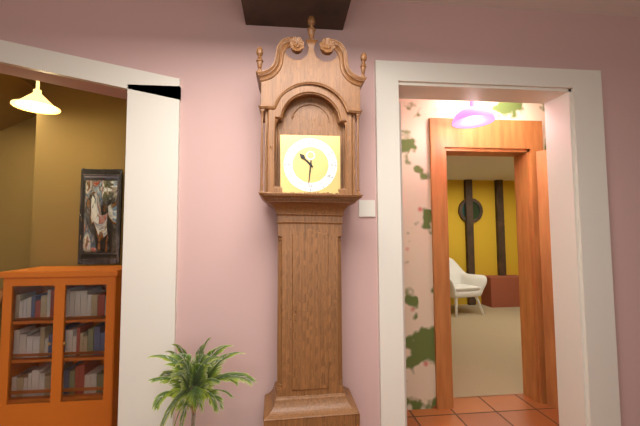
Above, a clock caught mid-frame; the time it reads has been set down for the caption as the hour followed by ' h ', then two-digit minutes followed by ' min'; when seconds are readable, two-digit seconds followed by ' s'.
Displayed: 10 h 31 min
